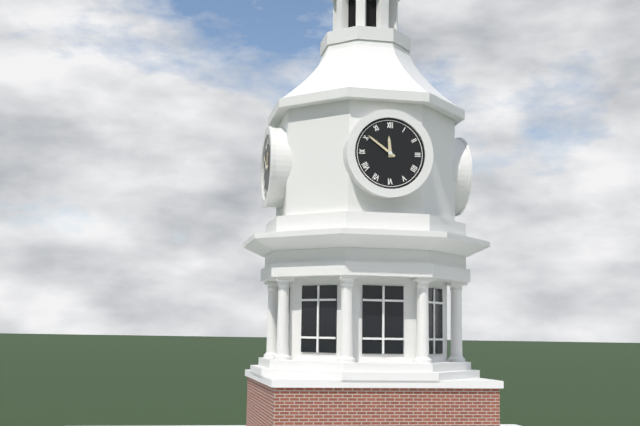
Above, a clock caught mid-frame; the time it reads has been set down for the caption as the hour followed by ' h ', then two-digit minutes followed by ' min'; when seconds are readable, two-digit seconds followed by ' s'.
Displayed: 11 h 51 min
